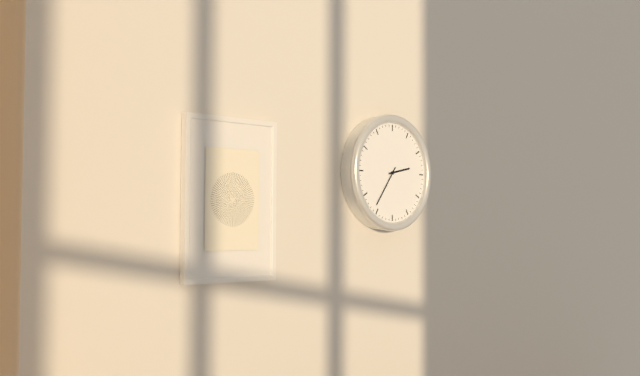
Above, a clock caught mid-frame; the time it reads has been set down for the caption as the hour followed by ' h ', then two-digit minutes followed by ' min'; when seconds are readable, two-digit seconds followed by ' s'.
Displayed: 2 h 36 min
